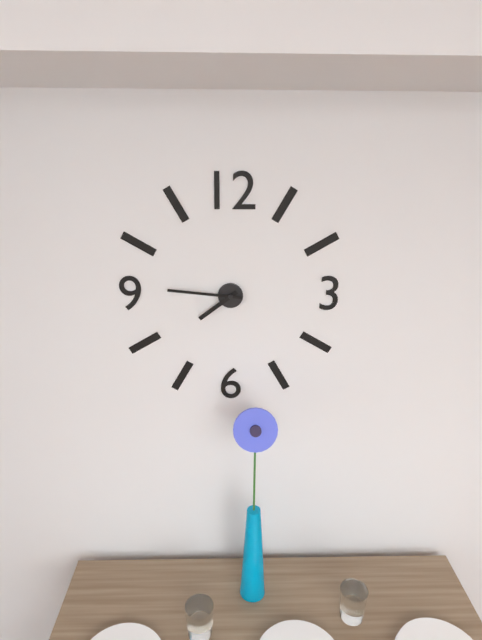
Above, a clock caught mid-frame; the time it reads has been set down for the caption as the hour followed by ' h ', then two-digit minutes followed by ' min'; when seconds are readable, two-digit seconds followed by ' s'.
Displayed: 7 h 46 min
